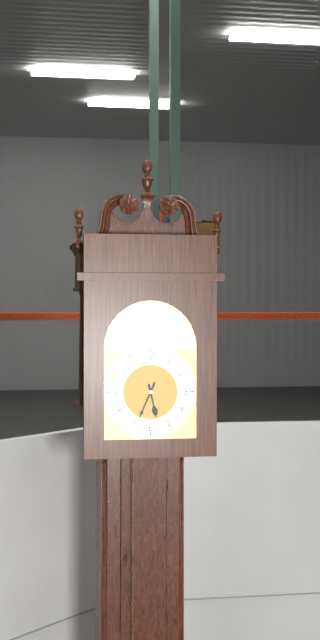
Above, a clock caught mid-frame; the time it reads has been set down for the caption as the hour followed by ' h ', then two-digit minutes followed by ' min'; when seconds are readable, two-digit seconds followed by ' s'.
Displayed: 5 h 34 min
